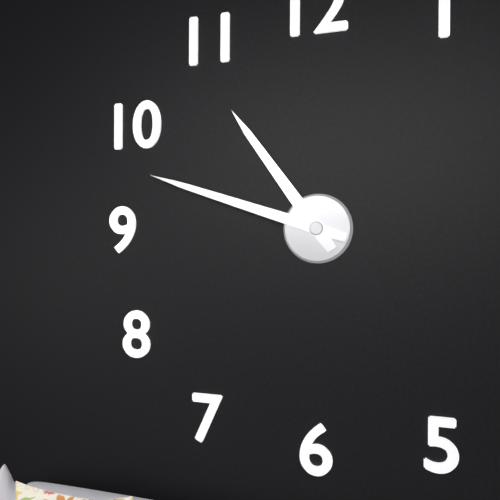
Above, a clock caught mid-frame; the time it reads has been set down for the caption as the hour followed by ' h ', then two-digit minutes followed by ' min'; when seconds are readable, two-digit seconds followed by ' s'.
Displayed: 10 h 48 min
